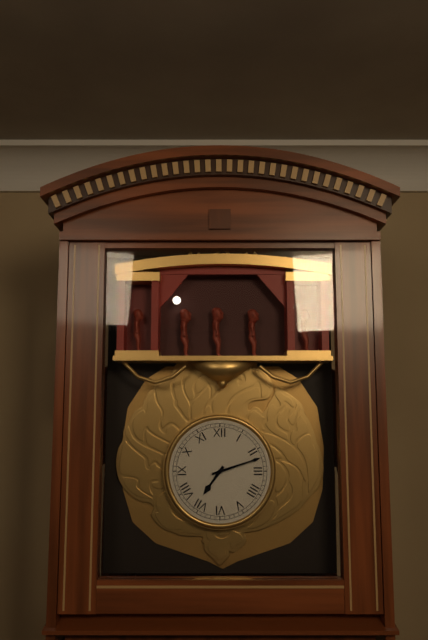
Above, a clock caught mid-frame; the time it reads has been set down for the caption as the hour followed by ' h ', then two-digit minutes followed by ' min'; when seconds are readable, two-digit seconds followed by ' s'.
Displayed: 7 h 12 min
